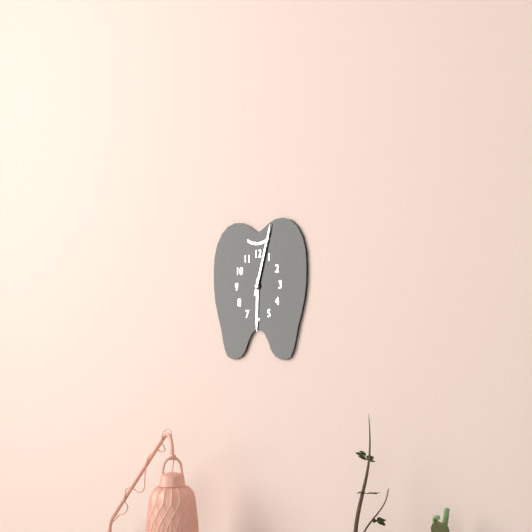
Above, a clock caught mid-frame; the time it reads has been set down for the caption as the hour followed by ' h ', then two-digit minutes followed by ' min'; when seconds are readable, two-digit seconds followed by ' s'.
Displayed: 6 h 03 min
